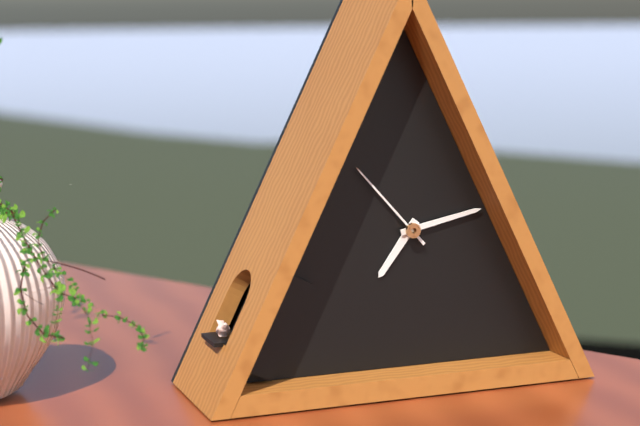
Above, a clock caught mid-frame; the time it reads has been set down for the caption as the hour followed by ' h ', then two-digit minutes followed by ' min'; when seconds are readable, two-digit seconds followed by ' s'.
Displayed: 7 h 13 min 53 s
